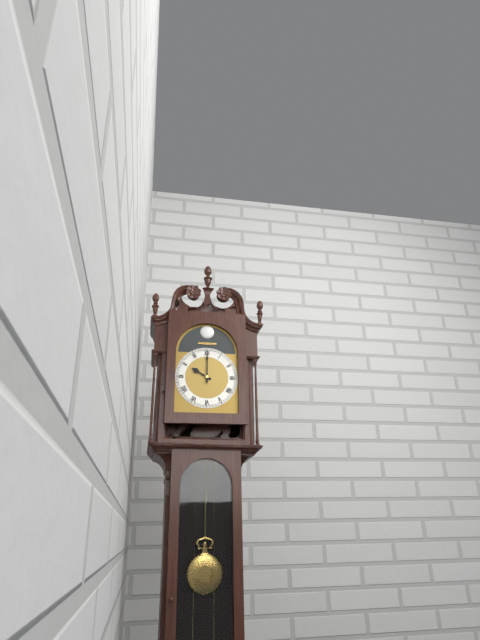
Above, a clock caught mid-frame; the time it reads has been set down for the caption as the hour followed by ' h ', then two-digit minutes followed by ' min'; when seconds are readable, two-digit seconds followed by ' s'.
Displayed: 10 h 00 min
